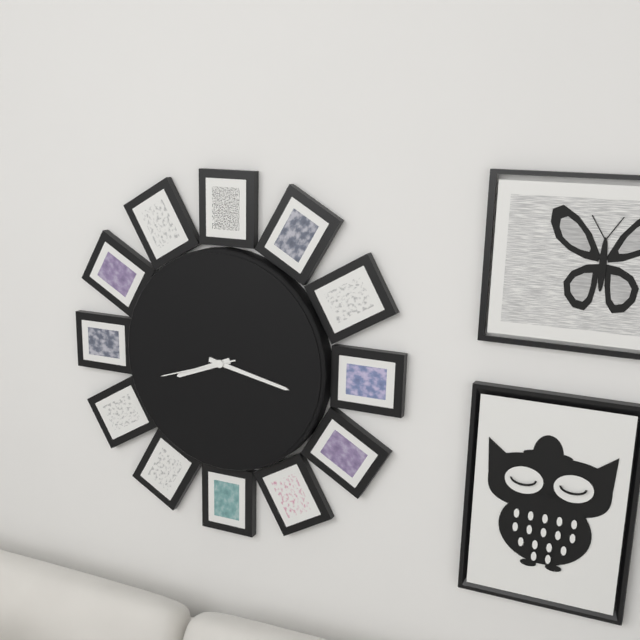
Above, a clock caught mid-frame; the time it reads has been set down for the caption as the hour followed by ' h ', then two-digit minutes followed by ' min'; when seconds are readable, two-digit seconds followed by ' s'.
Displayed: 8 h 17 min 42 s
